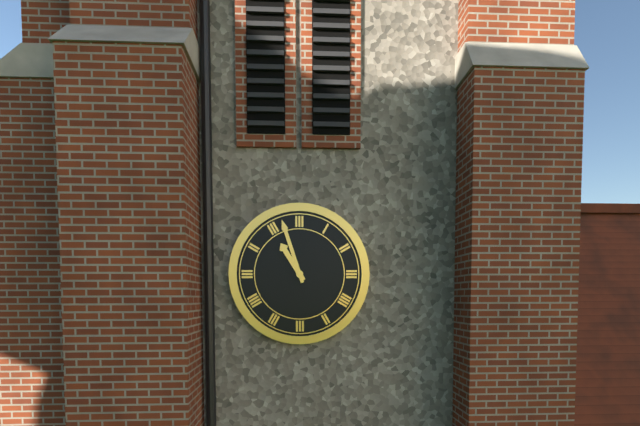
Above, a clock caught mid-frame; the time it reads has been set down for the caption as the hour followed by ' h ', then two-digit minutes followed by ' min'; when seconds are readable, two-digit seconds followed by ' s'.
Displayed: 10 h 57 min
